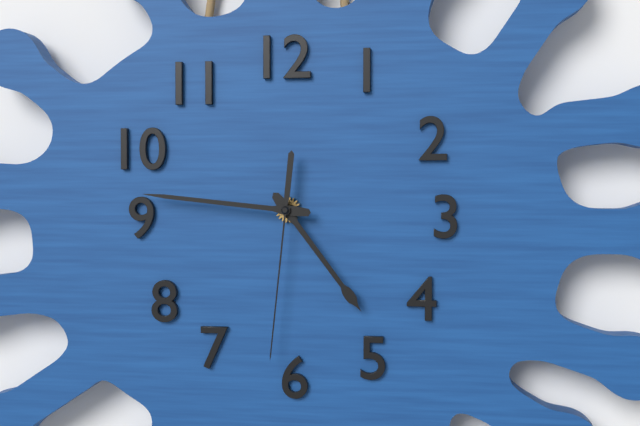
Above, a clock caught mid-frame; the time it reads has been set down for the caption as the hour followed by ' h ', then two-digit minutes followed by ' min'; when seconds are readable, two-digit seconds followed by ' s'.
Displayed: 4 h 46 min 31 s
